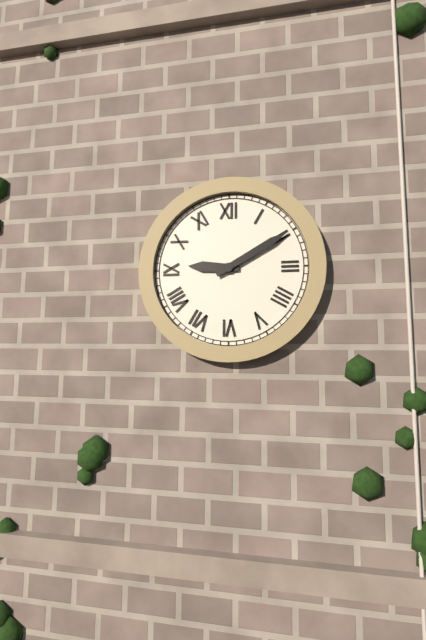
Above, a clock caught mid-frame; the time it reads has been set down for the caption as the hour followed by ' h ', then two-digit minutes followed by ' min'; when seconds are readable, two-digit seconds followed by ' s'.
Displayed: 9 h 10 min
